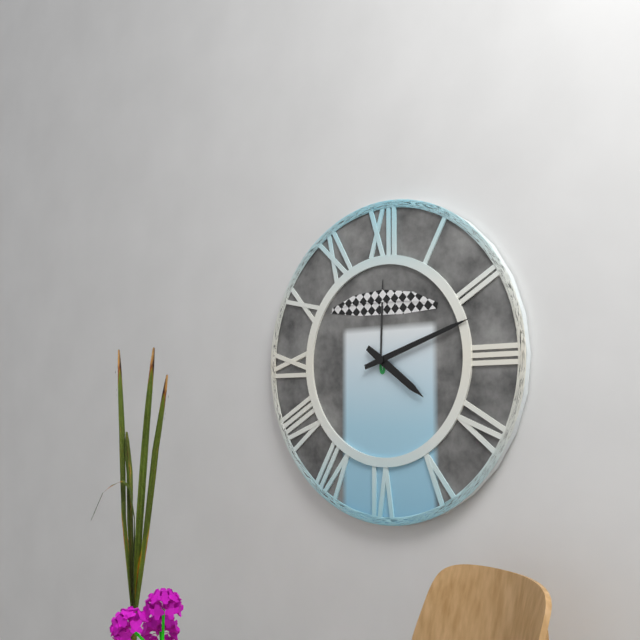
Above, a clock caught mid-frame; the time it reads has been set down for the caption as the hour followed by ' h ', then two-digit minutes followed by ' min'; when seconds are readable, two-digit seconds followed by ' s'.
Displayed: 4 h 12 min
